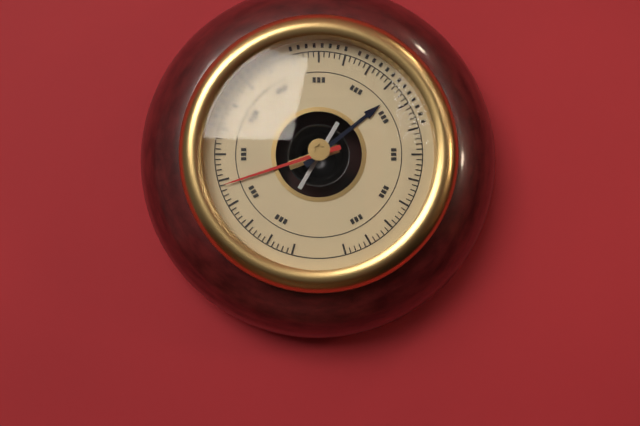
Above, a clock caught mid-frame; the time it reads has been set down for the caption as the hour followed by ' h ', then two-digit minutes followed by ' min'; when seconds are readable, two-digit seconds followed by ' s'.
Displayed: 1 h 42 min
